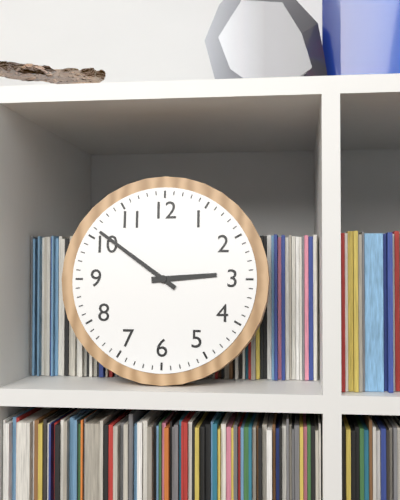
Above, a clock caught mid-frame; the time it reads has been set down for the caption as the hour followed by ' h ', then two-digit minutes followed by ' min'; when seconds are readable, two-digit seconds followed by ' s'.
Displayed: 2 h 51 min
